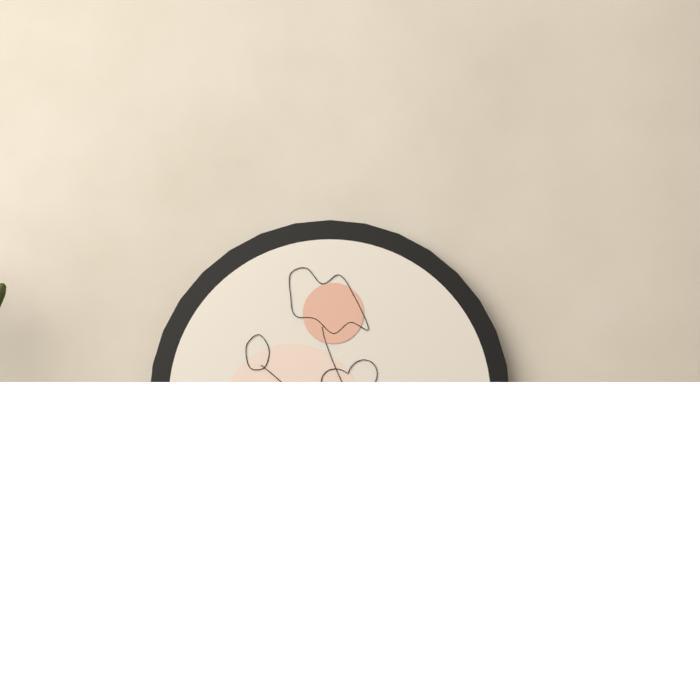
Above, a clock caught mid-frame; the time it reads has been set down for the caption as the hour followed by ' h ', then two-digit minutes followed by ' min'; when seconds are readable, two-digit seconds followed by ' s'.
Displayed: 6 h 32 min
